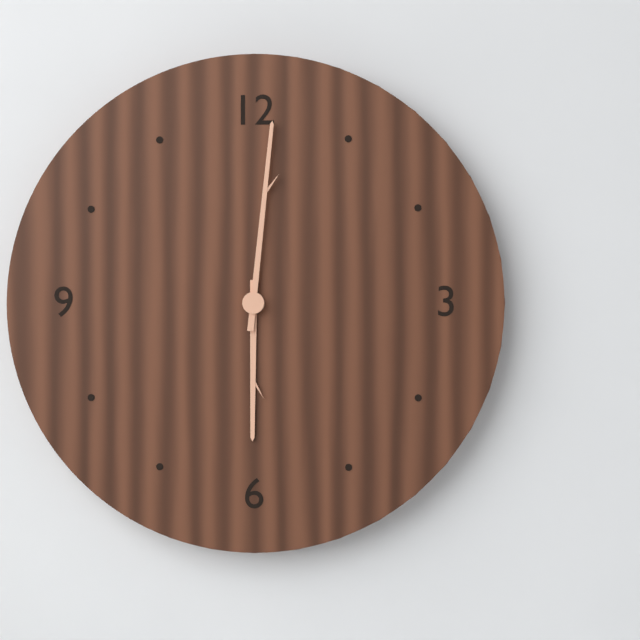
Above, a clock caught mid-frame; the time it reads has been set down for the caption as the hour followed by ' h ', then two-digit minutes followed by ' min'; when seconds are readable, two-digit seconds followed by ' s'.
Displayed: 6 h 01 min
